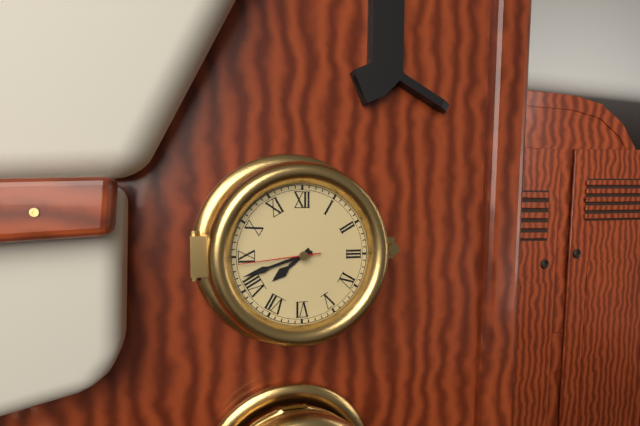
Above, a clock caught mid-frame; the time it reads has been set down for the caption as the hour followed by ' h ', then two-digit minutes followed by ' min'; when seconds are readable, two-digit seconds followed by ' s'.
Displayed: 7 h 42 min 44 s
